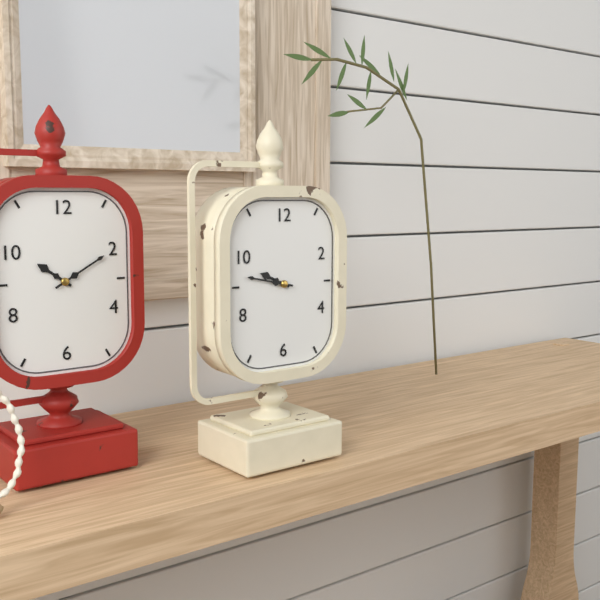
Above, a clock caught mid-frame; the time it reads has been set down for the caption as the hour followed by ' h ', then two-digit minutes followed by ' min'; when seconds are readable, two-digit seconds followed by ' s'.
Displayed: 9 h 47 min
